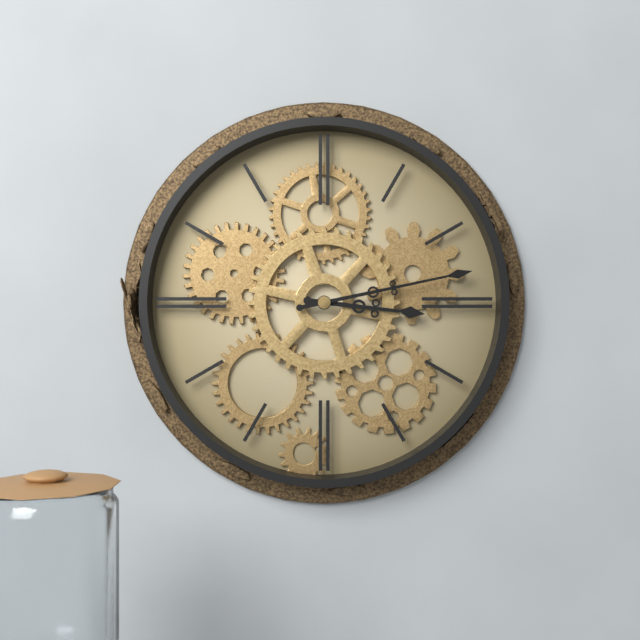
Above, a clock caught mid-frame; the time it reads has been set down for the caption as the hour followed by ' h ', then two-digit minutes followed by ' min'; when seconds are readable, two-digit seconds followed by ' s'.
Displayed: 3 h 13 min
